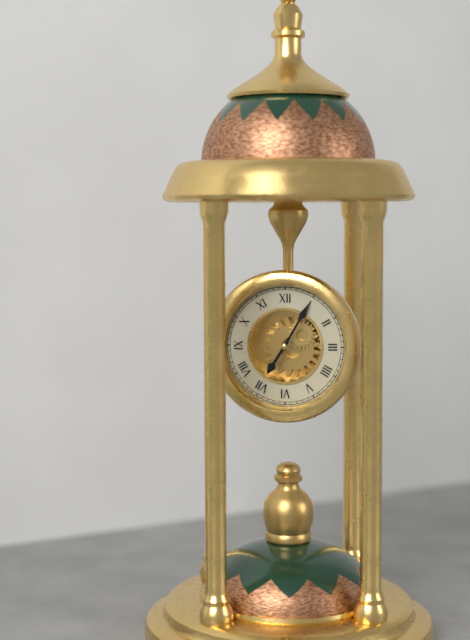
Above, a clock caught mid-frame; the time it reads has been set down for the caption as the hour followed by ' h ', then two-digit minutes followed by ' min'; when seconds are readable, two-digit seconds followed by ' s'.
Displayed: 7 h 05 min
